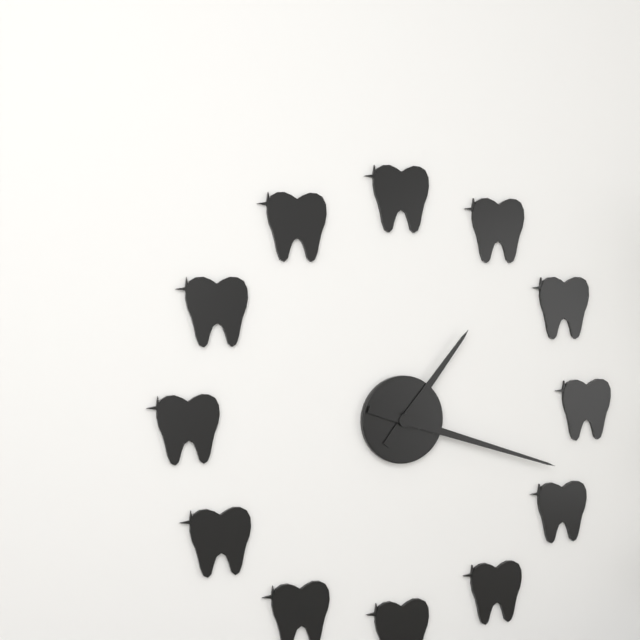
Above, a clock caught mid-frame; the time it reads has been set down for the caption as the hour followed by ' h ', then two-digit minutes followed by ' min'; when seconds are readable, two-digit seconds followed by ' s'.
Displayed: 1 h 18 min
